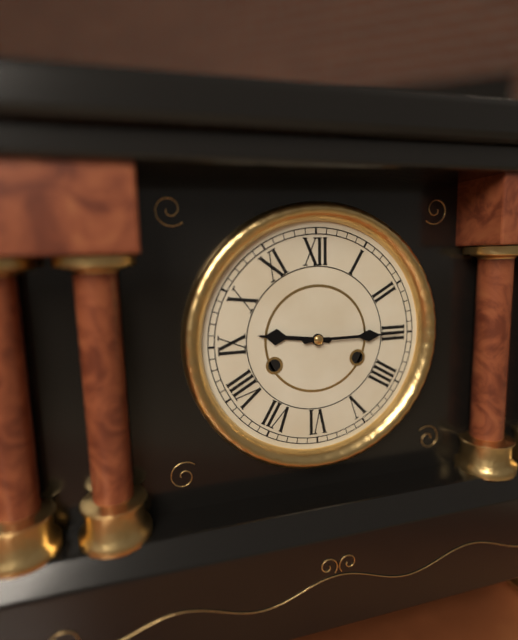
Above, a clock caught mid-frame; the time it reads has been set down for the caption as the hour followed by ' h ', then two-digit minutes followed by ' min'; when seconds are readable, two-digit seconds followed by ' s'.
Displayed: 9 h 15 min
